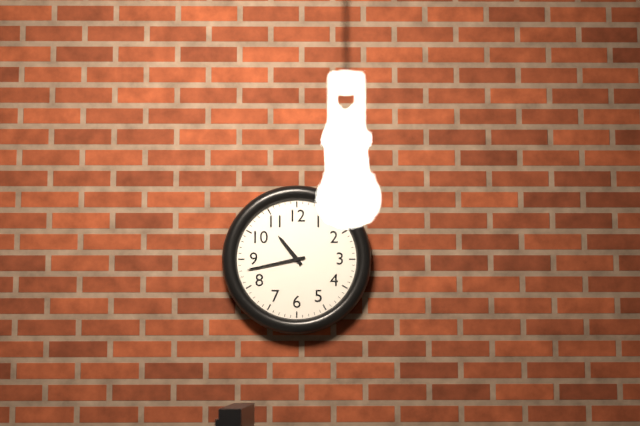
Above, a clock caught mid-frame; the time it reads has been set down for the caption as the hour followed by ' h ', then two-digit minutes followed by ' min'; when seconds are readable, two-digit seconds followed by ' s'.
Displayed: 10 h 43 min
